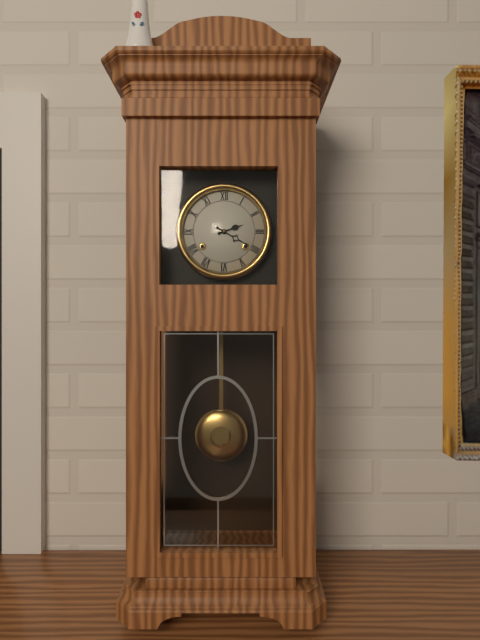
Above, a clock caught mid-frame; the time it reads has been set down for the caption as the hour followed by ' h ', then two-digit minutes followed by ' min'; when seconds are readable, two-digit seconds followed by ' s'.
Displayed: 2 h 20 min
